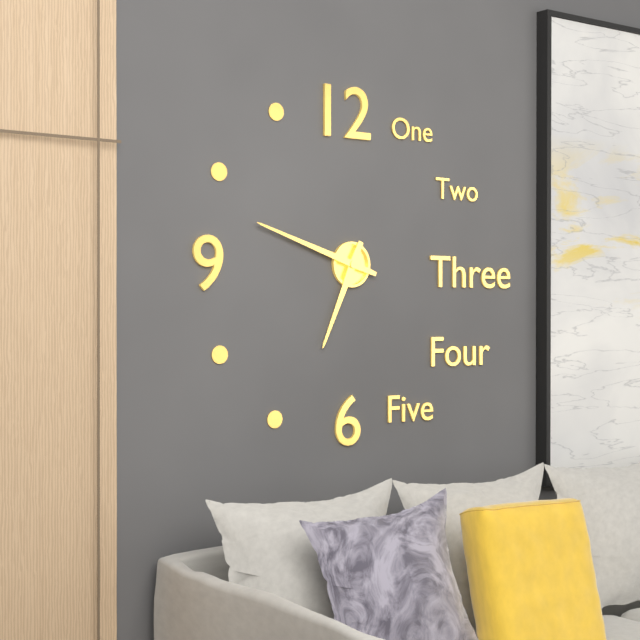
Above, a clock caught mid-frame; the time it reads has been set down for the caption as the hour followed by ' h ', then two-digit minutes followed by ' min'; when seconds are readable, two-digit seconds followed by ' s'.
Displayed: 6 h 48 min
